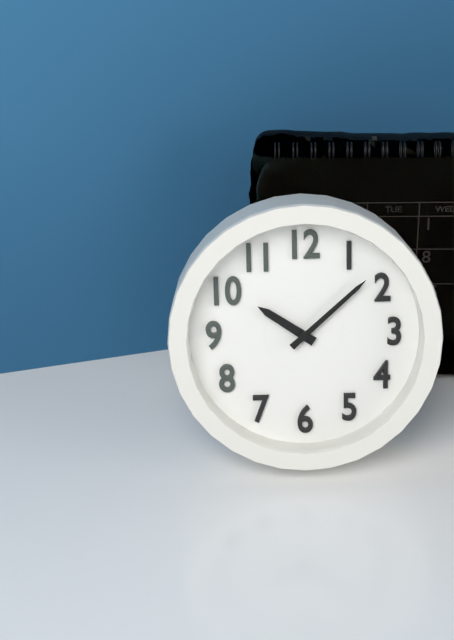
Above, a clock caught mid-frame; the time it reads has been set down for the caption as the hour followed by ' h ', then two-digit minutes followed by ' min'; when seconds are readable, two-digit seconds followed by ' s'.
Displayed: 10 h 08 min
